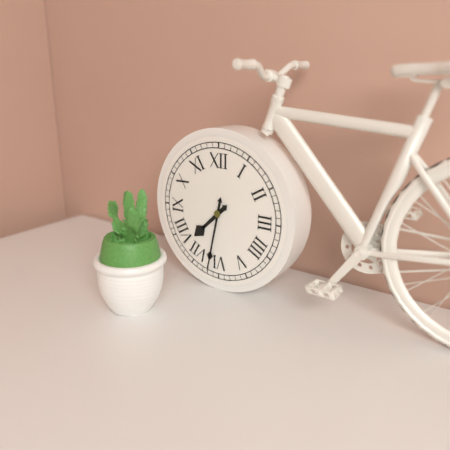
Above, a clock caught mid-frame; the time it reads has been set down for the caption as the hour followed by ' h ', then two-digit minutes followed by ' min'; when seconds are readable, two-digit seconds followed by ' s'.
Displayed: 7 h 32 min
